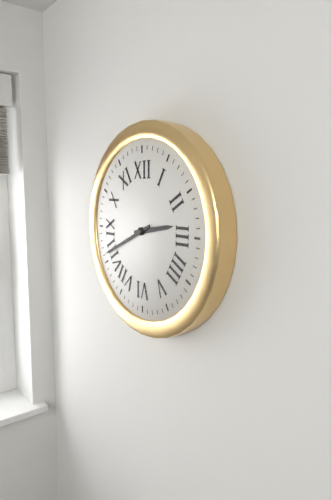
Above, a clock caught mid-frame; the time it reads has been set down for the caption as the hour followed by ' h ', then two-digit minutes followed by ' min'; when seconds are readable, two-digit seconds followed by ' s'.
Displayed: 2 h 41 min
